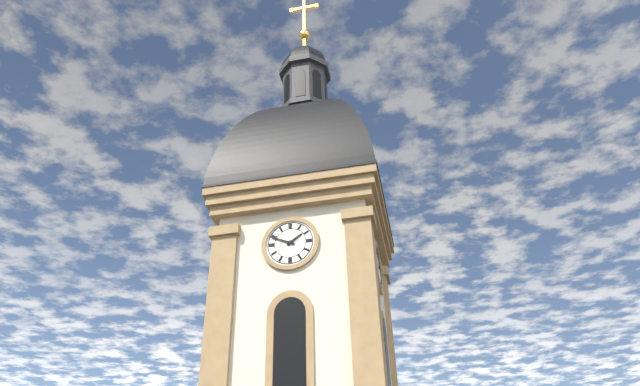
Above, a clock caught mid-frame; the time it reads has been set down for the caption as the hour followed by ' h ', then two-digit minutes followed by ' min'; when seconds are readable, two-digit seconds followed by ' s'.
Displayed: 1 h 49 min
